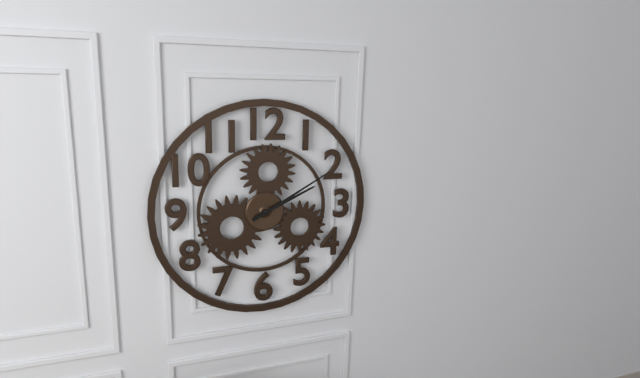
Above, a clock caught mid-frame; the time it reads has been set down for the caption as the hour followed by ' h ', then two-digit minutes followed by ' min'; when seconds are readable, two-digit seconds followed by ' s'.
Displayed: 2 h 10 min
